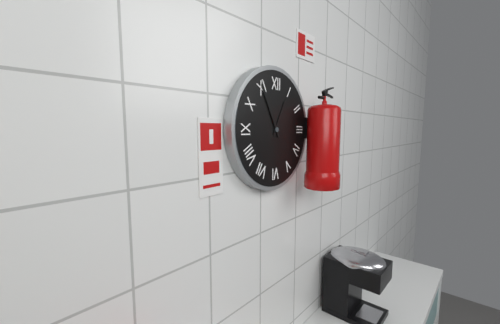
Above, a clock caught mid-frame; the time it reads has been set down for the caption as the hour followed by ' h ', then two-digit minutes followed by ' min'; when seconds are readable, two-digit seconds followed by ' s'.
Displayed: 12 h 55 min
